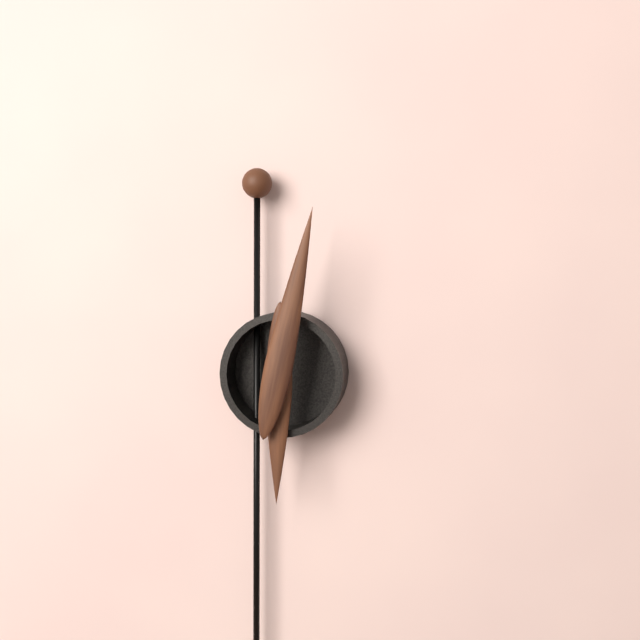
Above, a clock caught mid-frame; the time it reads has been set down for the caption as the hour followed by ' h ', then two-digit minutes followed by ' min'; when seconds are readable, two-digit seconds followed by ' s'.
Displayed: 6 h 02 min
